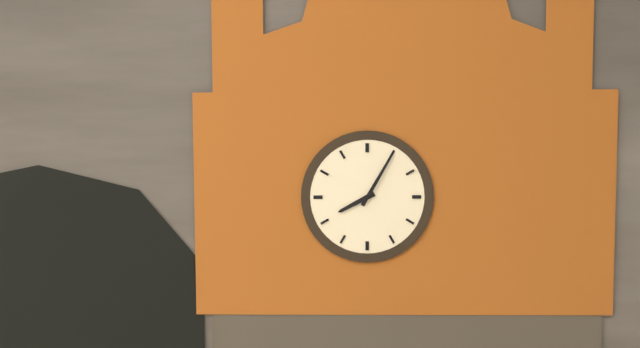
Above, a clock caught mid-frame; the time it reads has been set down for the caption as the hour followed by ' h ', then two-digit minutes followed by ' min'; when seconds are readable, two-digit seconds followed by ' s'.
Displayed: 8 h 05 min
